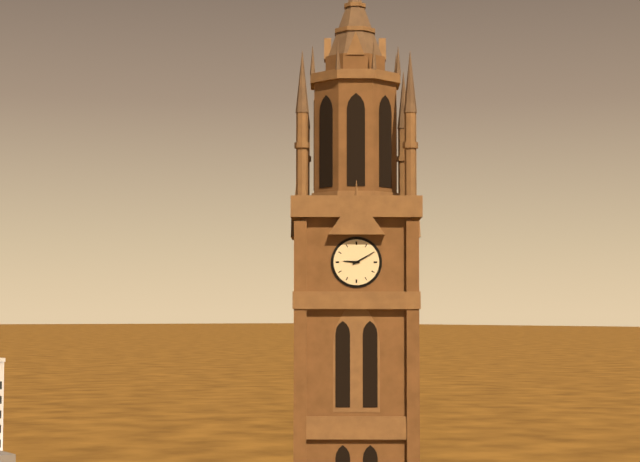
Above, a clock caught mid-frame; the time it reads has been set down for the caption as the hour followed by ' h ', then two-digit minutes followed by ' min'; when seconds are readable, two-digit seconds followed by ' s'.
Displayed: 9 h 10 min
